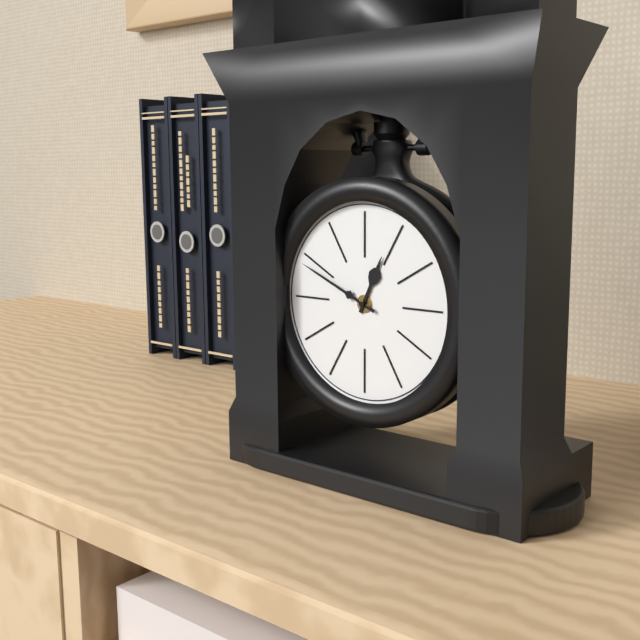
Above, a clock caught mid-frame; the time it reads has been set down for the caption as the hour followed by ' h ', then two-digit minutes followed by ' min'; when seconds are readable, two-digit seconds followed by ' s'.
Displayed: 12 h 49 min
